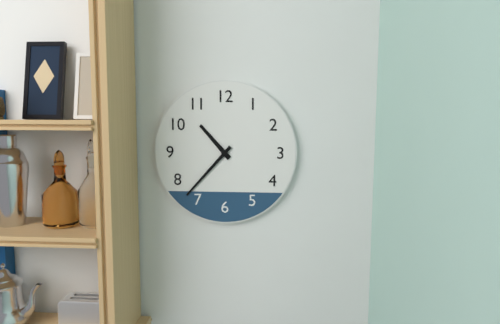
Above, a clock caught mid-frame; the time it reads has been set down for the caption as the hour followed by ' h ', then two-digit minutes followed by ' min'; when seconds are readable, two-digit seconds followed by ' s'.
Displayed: 10 h 37 min
